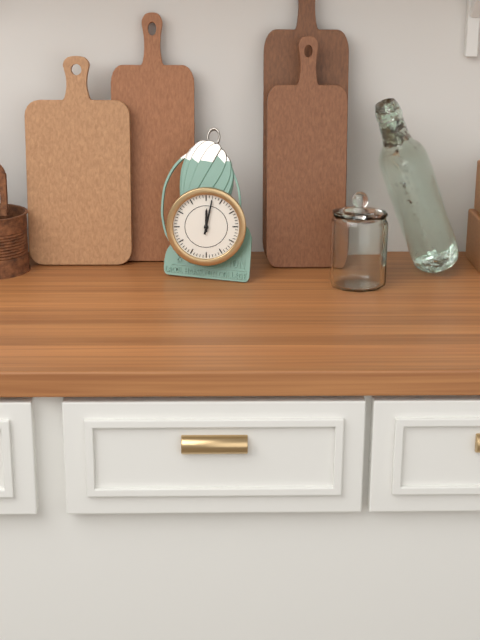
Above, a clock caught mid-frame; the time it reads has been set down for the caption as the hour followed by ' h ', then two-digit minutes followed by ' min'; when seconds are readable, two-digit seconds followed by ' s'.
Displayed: 12 h 02 min
